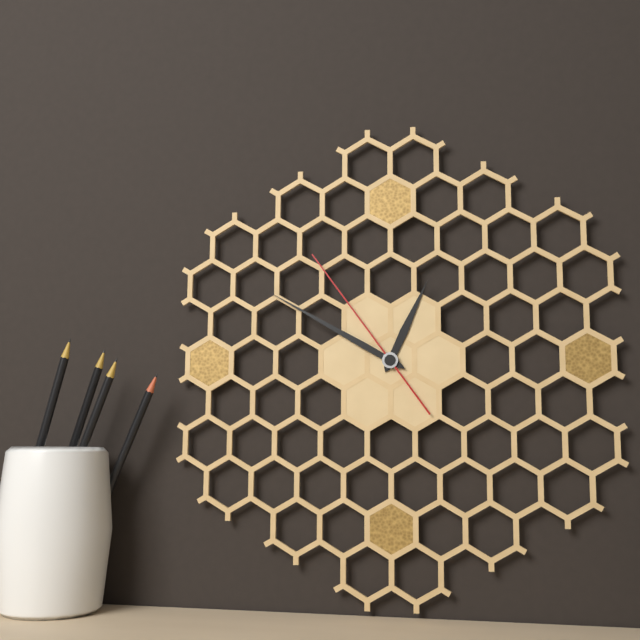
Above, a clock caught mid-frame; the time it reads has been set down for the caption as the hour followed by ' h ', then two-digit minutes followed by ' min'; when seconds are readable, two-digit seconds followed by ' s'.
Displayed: 12 h 50 min 54 s
